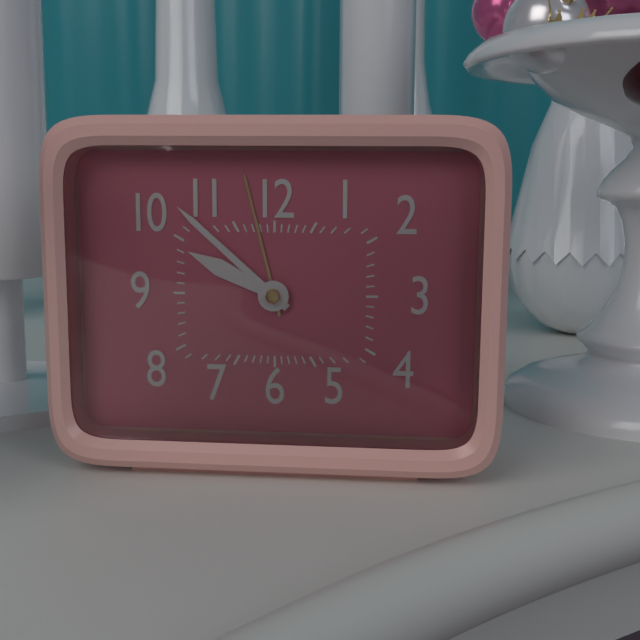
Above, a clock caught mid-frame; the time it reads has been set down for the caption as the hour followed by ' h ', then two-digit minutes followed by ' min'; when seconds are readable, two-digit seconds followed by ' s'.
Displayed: 9 h 52 min
